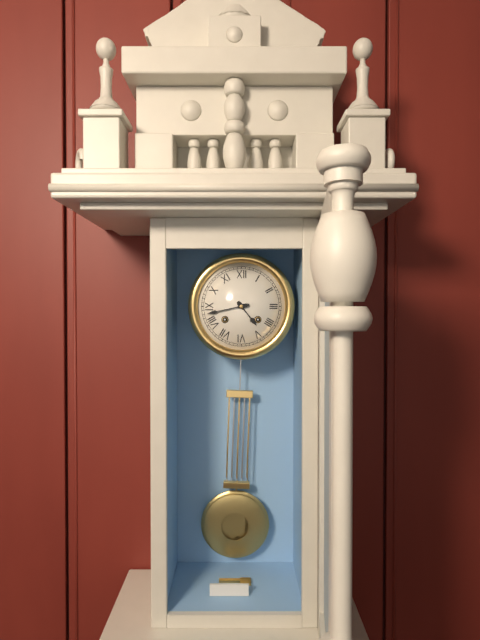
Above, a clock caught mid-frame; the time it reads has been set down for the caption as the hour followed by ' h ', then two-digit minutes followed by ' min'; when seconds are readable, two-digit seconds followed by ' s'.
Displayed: 4 h 43 min
